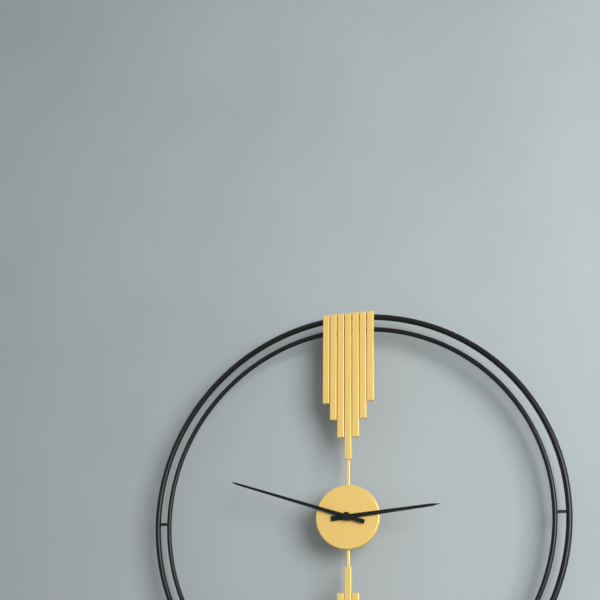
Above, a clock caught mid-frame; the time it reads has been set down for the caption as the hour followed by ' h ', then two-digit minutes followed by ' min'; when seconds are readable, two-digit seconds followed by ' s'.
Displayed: 2 h 48 min
